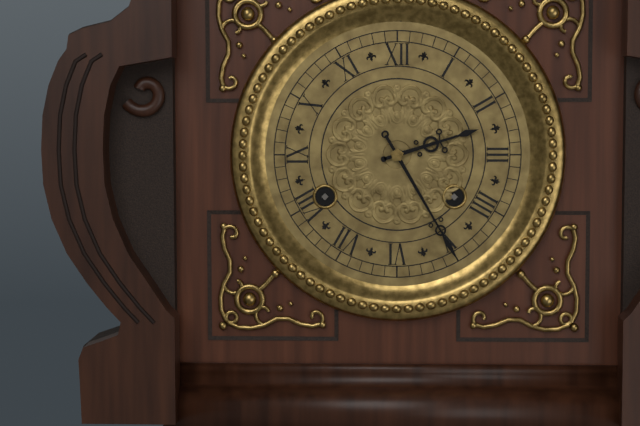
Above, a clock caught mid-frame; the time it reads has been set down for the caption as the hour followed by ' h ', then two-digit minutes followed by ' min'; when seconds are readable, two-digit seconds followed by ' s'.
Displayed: 2 h 25 min
